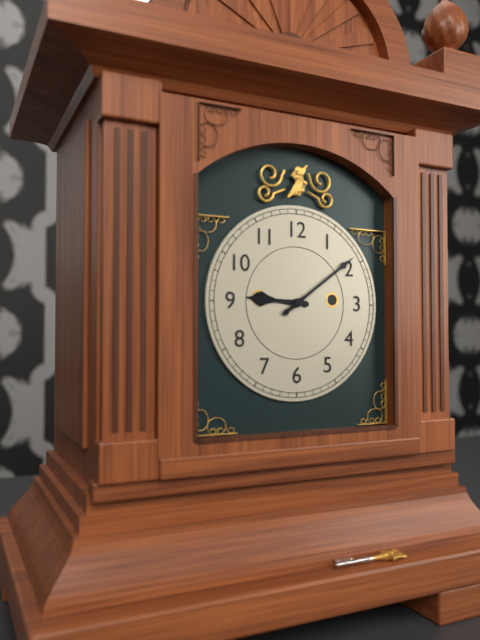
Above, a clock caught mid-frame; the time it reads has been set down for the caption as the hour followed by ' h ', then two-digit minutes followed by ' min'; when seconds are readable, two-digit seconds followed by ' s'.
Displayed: 9 h 09 min
